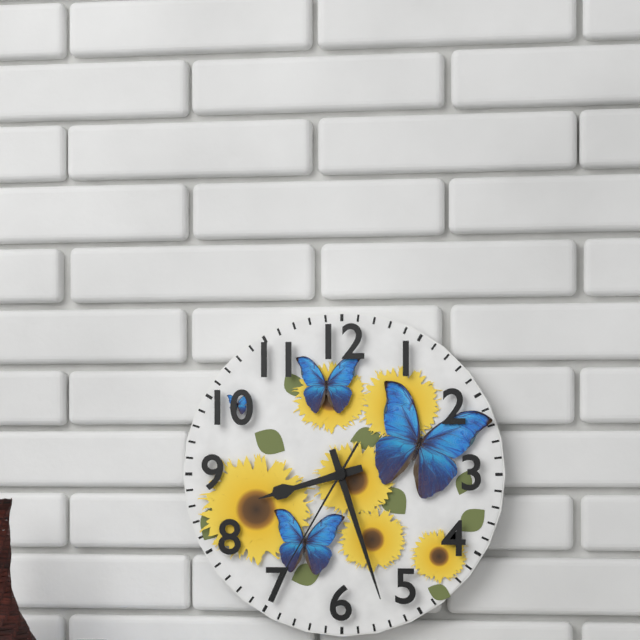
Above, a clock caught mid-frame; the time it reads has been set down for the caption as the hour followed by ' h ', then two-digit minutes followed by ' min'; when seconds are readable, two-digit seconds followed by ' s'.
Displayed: 8 h 27 min 35 s
